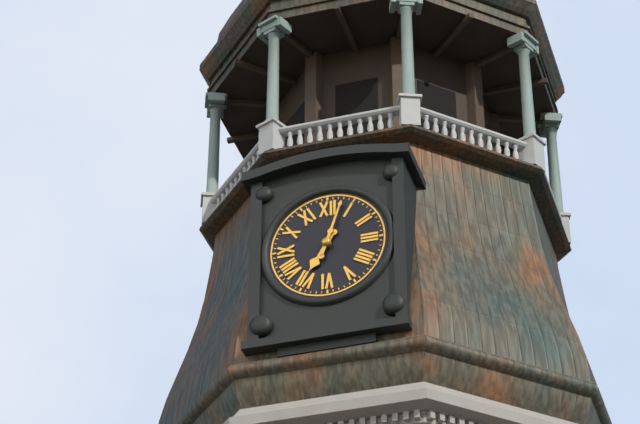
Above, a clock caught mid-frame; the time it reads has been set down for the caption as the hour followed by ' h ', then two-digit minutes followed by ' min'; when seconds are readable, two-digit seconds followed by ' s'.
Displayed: 7 h 03 min
